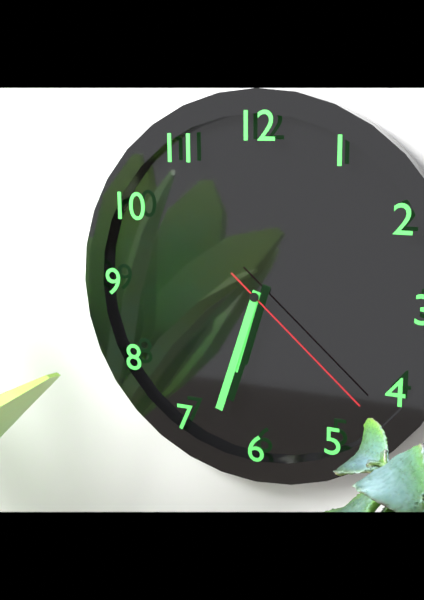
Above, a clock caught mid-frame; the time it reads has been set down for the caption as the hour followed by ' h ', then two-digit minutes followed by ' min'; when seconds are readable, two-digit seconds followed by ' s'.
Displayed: 6 h 33 min 22 s
